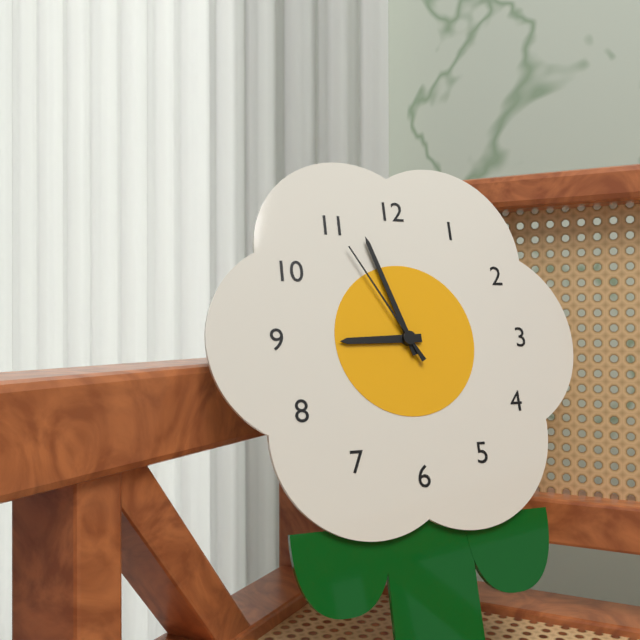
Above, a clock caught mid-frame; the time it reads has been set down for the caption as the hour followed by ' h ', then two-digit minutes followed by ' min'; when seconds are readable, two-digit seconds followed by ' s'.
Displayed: 8 h 57 min 55 s
